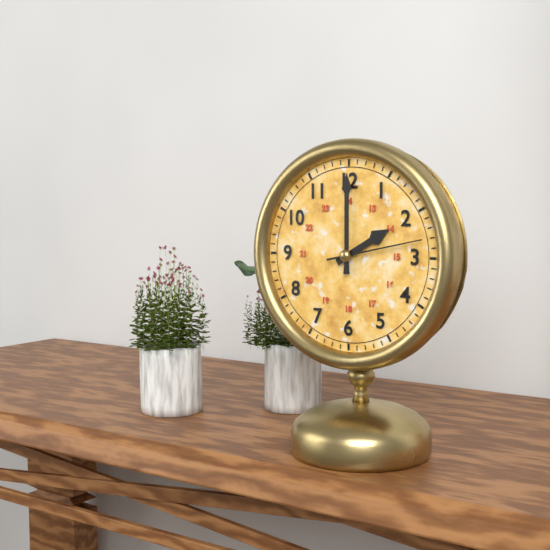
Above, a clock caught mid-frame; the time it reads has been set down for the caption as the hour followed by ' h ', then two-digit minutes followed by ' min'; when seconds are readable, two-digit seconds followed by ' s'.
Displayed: 2 h 00 min 13 s
